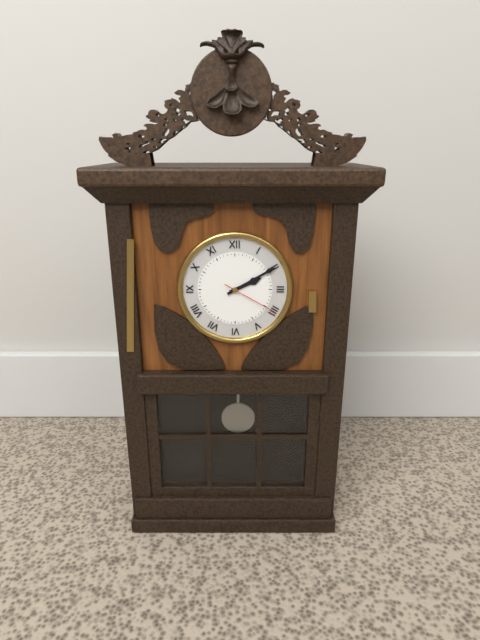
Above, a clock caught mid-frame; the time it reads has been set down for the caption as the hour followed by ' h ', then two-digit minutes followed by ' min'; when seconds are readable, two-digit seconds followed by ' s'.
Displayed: 2 h 10 min 20 s
